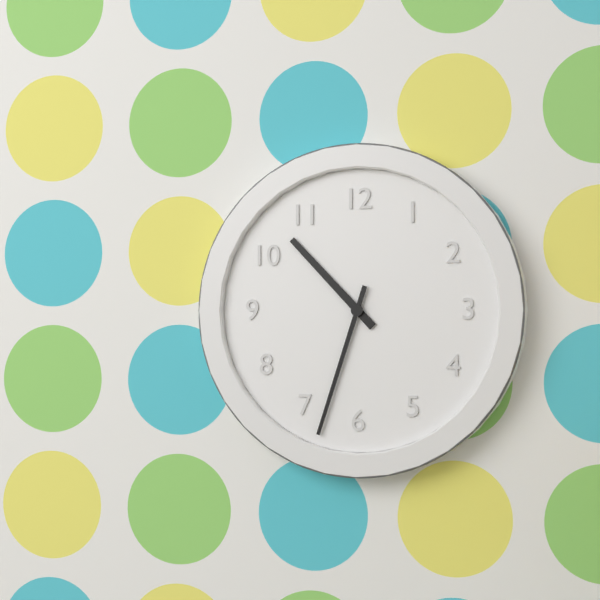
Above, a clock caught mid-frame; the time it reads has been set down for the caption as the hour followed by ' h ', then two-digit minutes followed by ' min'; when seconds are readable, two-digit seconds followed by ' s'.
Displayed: 10 h 33 min
